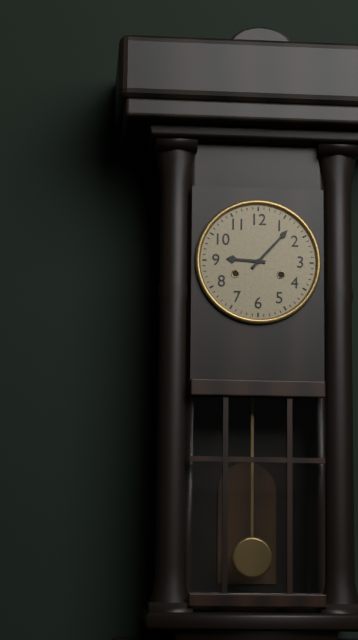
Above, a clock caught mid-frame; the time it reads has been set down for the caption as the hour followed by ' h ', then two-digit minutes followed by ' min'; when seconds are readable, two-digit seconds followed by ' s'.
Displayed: 9 h 07 min
